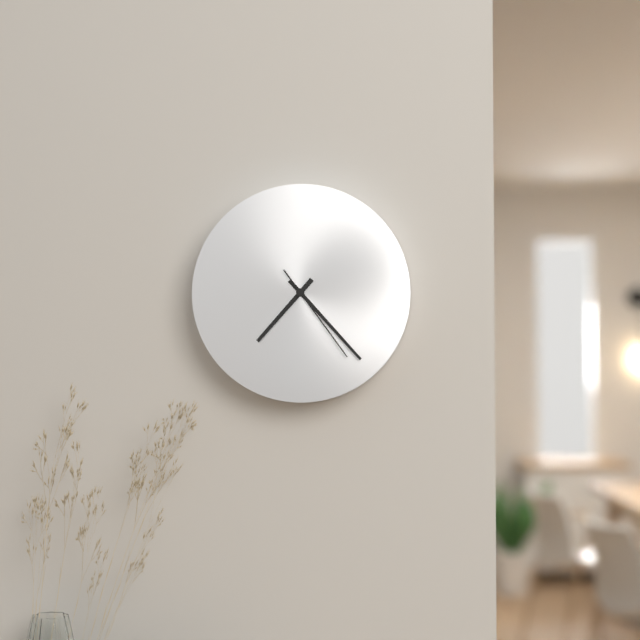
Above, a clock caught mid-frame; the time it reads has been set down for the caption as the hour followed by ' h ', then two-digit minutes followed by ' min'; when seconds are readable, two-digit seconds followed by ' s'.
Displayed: 7 h 23 min 24 s
